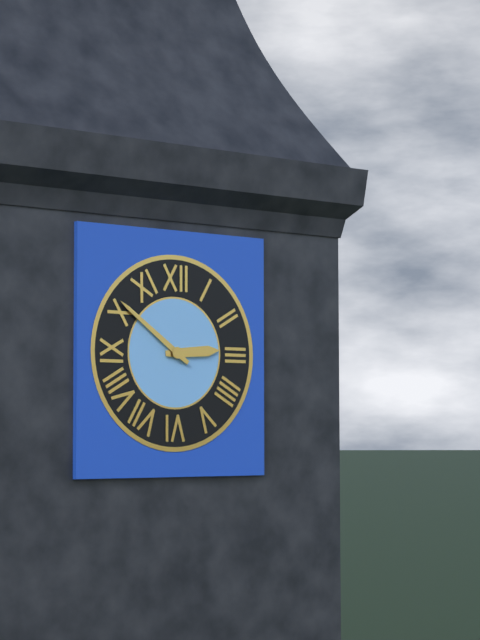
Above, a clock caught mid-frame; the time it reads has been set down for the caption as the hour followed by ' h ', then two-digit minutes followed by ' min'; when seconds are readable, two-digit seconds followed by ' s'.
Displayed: 2 h 51 min
